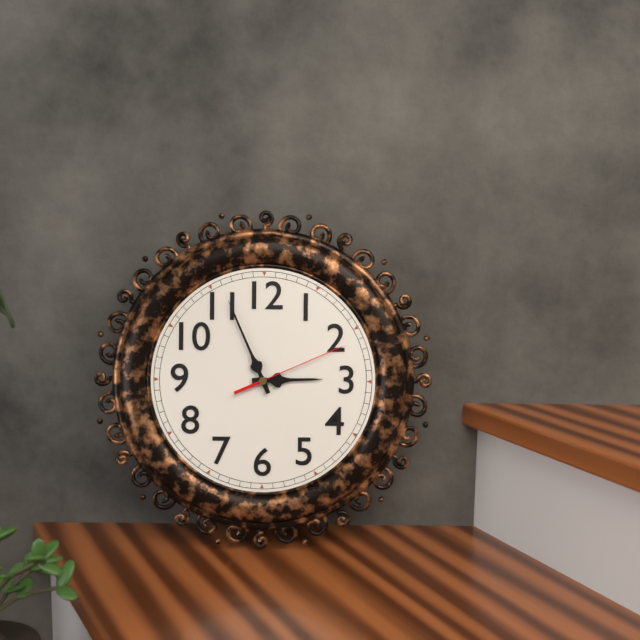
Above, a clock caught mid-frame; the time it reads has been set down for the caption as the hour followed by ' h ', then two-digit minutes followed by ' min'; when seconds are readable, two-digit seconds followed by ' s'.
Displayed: 2 h 56 min 11 s
